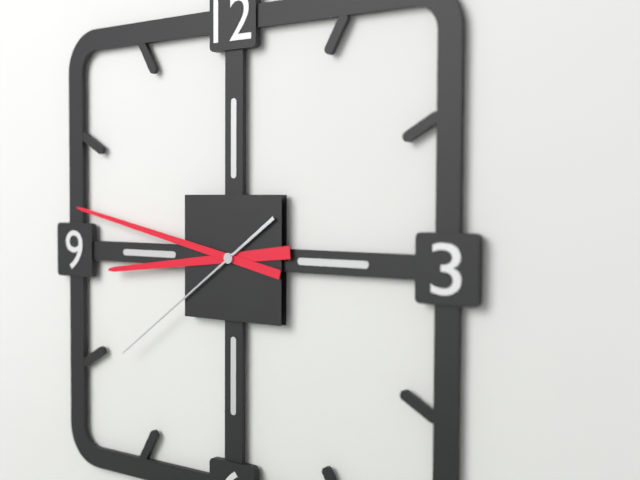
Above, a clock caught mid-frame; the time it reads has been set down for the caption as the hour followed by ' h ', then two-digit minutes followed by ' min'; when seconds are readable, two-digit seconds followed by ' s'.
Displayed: 8 h 47 min 39 s
